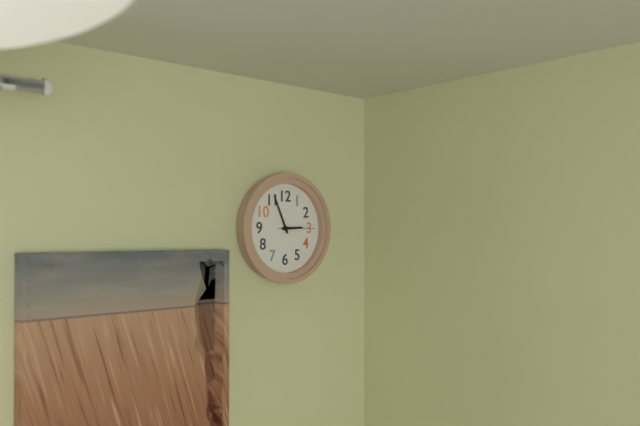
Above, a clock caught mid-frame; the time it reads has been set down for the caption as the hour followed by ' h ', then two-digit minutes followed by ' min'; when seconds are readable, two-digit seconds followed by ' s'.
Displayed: 2 h 56 min
